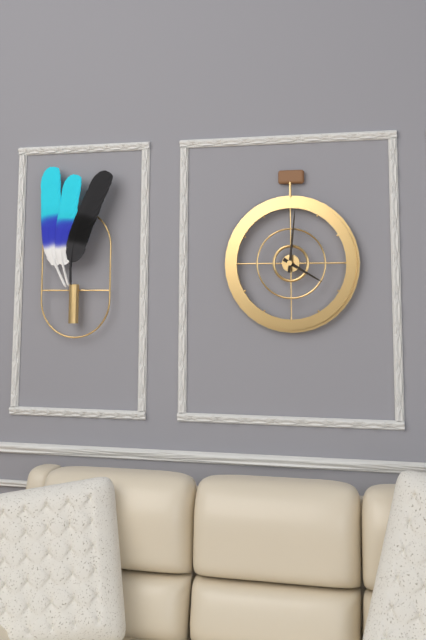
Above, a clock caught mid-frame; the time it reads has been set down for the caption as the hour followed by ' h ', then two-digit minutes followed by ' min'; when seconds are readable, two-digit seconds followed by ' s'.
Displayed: 4 h 01 min
